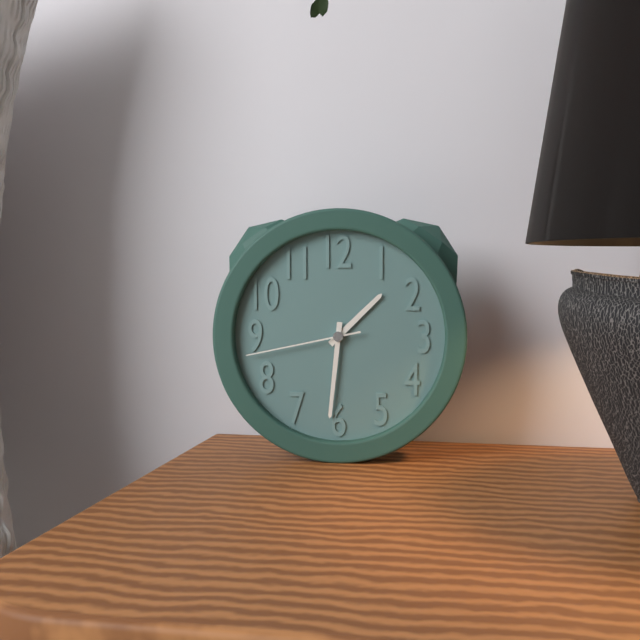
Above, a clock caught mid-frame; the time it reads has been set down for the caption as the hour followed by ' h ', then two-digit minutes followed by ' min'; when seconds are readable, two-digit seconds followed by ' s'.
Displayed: 1 h 31 min 43 s
